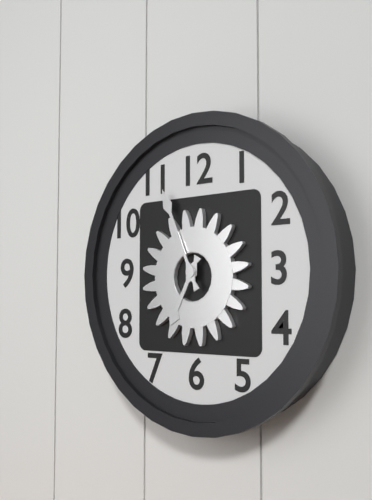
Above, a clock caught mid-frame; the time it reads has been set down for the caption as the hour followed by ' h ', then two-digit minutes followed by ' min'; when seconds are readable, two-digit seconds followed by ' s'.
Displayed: 6 h 56 min
